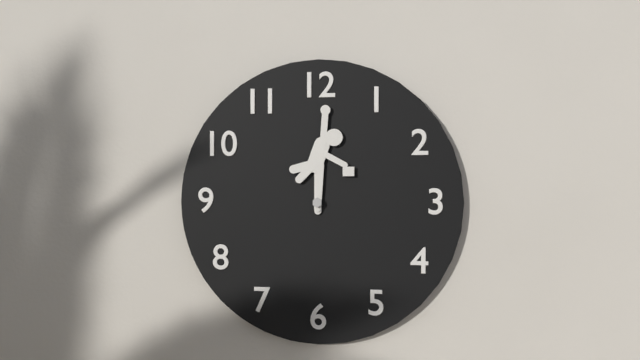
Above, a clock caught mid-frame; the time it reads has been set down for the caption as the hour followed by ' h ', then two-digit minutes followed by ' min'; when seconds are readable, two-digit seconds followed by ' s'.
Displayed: 12 h 00 min
